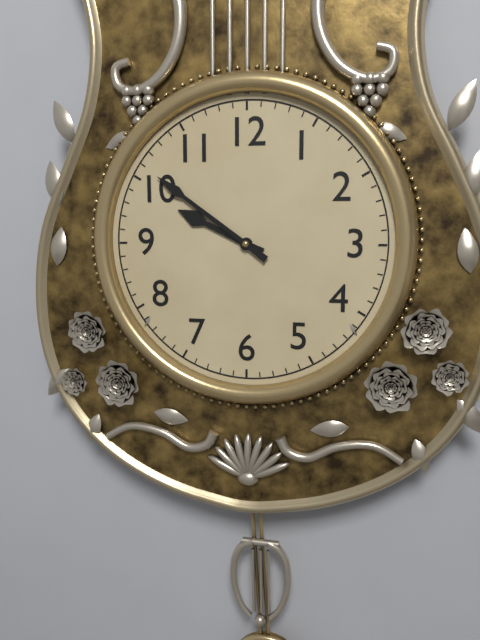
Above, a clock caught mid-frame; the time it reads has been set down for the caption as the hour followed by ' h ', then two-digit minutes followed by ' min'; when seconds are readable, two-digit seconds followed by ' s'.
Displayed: 9 h 51 min
